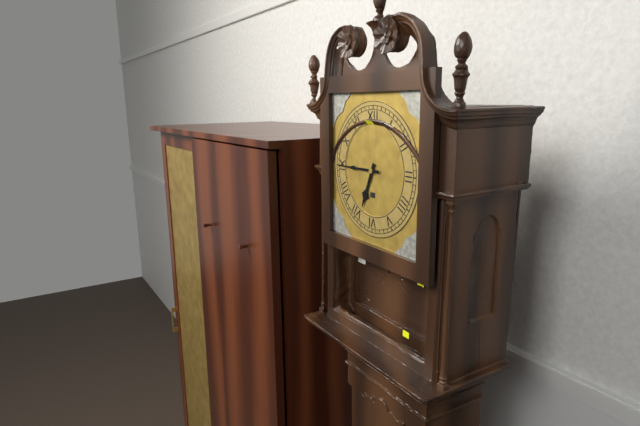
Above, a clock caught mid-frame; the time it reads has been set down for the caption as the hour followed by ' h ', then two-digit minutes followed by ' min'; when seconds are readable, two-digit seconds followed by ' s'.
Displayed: 6 h 45 min
